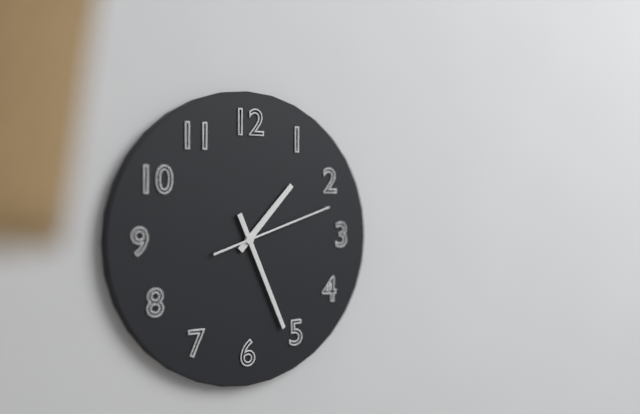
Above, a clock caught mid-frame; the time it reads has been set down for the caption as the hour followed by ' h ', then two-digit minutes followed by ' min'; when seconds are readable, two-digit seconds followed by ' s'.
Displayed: 1 h 26 min 12 s
